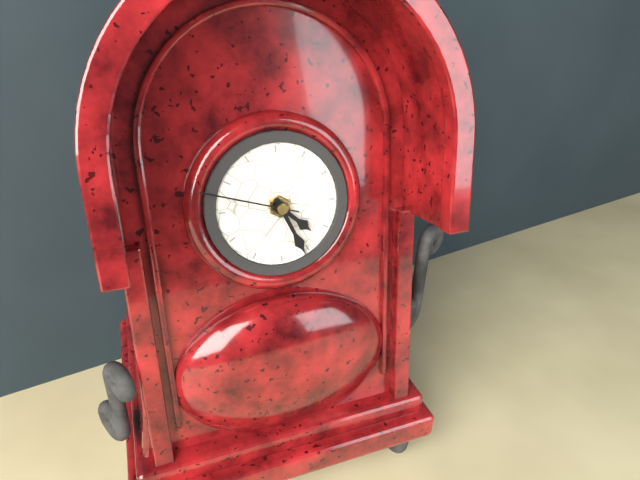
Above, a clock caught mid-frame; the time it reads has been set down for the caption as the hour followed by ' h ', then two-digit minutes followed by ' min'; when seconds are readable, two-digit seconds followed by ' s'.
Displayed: 4 h 26 min 48 s
